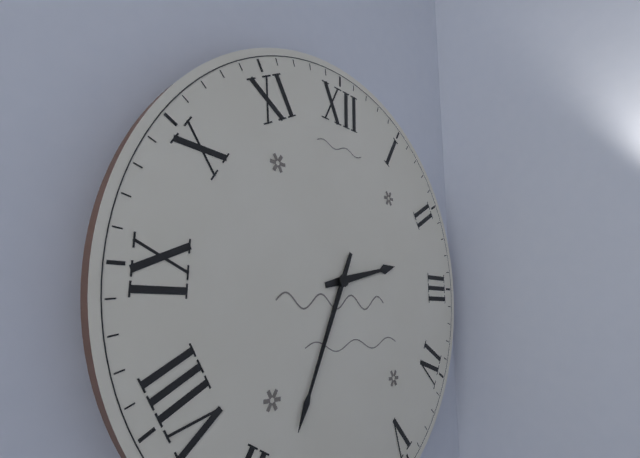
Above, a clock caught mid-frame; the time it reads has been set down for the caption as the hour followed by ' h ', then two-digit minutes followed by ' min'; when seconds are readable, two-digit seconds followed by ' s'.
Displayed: 2 h 34 min
